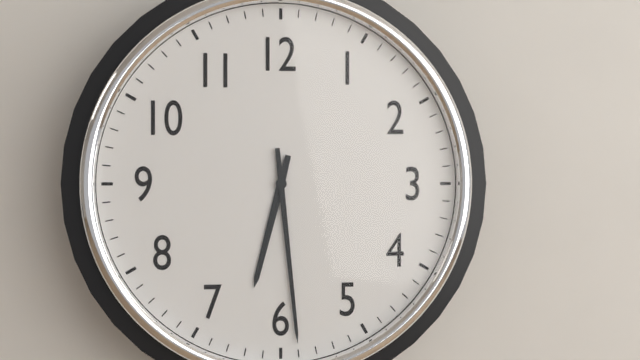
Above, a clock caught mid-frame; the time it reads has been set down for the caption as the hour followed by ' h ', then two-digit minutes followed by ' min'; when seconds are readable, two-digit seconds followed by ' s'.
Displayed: 6 h 29 min
